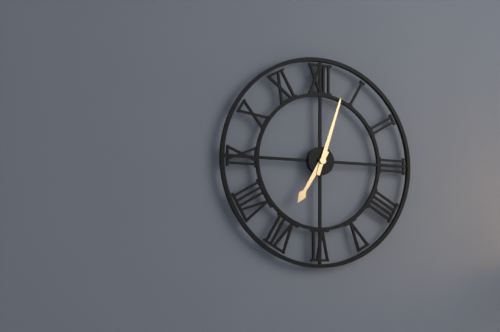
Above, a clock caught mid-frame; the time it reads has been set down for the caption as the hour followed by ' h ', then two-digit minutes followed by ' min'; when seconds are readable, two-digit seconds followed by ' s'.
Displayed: 7 h 03 min
